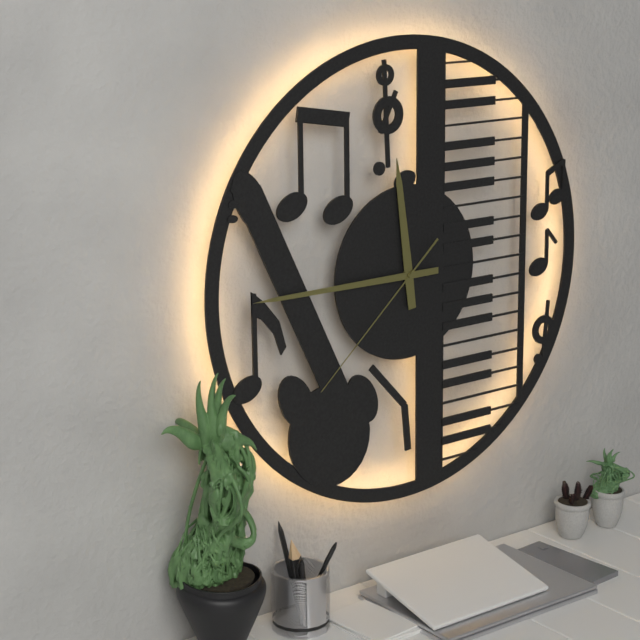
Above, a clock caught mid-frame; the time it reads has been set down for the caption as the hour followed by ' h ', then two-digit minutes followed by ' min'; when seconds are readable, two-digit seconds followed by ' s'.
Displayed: 11 h 45 min 38 s
